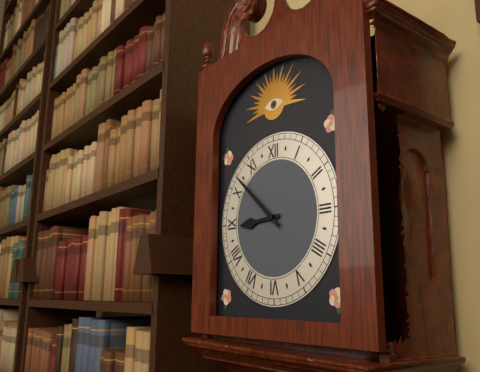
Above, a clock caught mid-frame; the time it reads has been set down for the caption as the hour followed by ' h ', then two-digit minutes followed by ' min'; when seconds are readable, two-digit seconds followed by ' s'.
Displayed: 8 h 52 min
